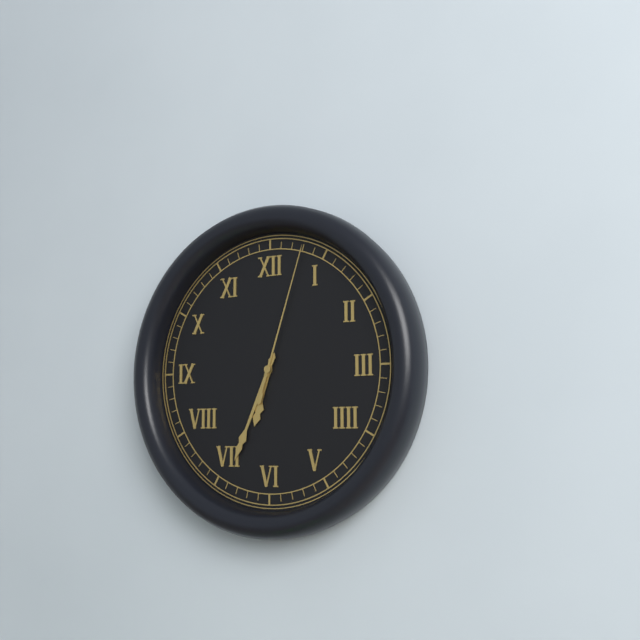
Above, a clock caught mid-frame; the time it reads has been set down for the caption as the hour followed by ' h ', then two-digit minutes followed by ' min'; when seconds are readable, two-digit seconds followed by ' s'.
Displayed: 6 h 34 min 03 s
